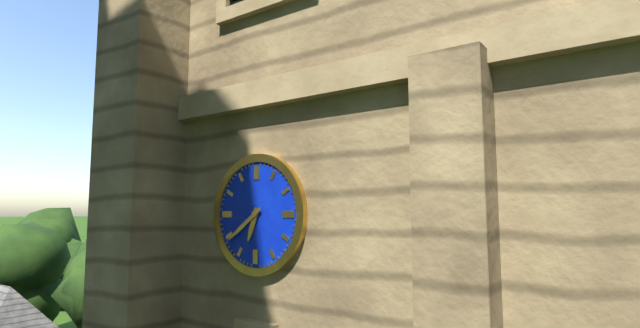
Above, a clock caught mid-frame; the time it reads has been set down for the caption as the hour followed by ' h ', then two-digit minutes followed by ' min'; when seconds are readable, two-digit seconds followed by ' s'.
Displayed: 6 h 39 min
